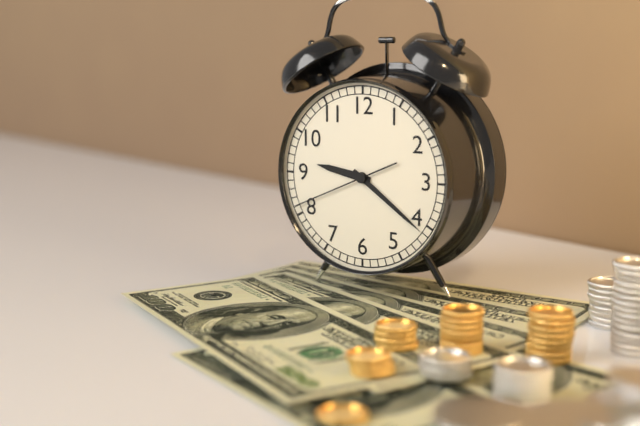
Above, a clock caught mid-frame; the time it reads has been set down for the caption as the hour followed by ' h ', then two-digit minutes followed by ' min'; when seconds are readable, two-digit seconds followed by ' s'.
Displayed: 9 h 21 min 41 s
